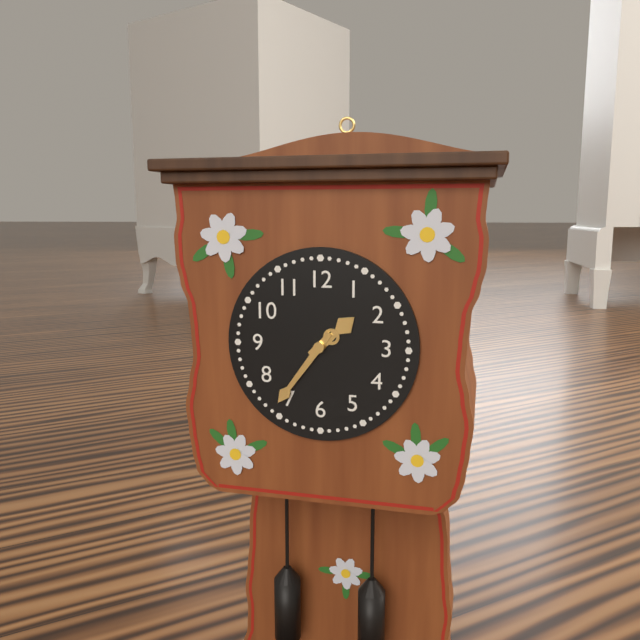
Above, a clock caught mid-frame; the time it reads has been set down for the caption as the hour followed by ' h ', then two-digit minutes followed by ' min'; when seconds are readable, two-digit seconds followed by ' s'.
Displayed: 1 h 36 min
